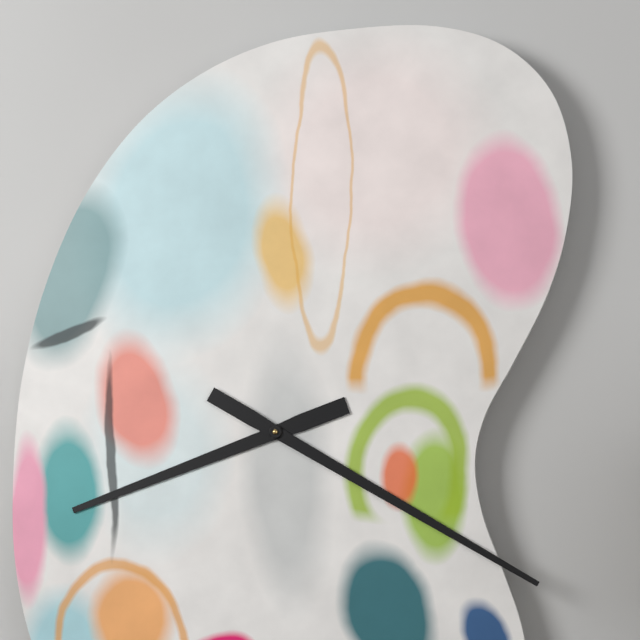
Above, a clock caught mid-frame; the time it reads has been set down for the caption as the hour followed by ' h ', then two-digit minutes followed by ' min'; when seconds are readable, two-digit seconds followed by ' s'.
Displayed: 8 h 20 min
